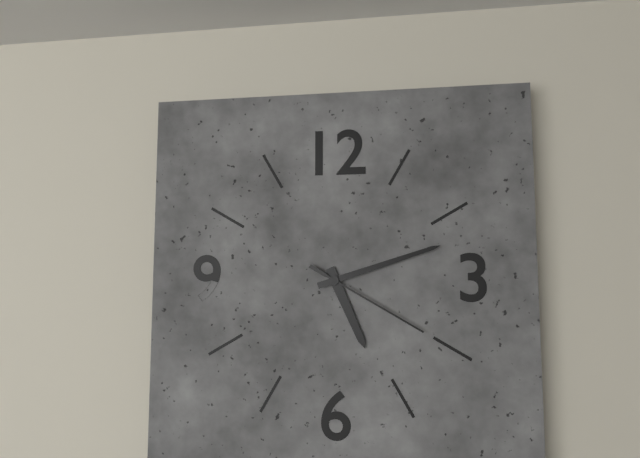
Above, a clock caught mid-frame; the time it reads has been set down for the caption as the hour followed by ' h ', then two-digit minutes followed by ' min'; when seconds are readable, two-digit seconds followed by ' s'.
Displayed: 5 h 12 min 20 s
